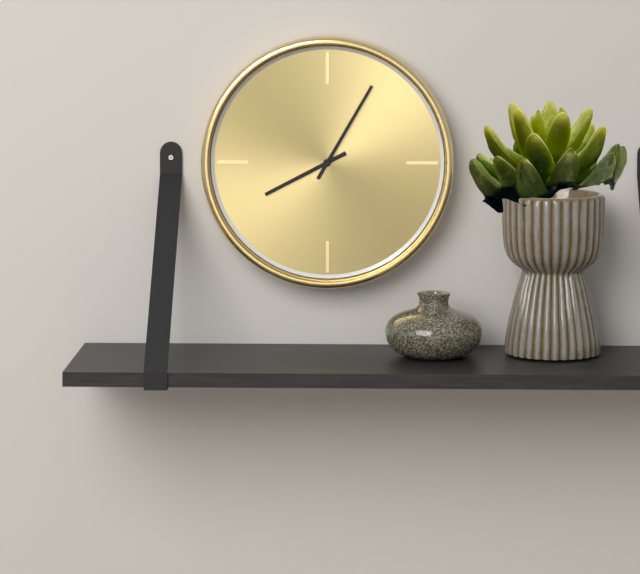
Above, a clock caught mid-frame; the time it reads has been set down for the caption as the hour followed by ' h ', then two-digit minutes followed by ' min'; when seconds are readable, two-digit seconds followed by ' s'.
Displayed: 8 h 05 min
